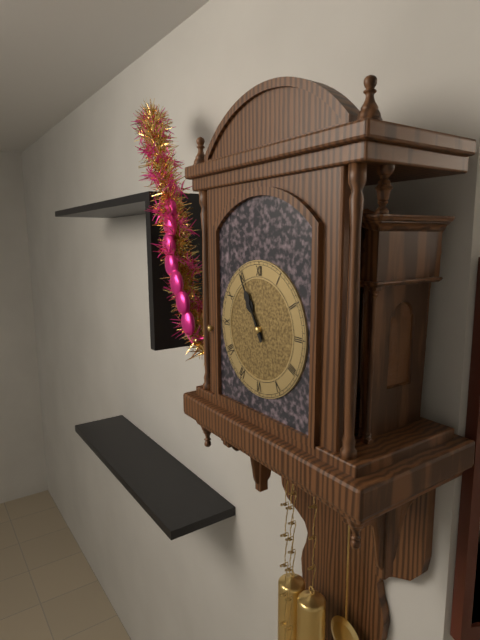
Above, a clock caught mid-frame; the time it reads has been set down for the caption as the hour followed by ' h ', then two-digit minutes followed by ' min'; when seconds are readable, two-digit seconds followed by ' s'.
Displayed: 10 h 55 min
